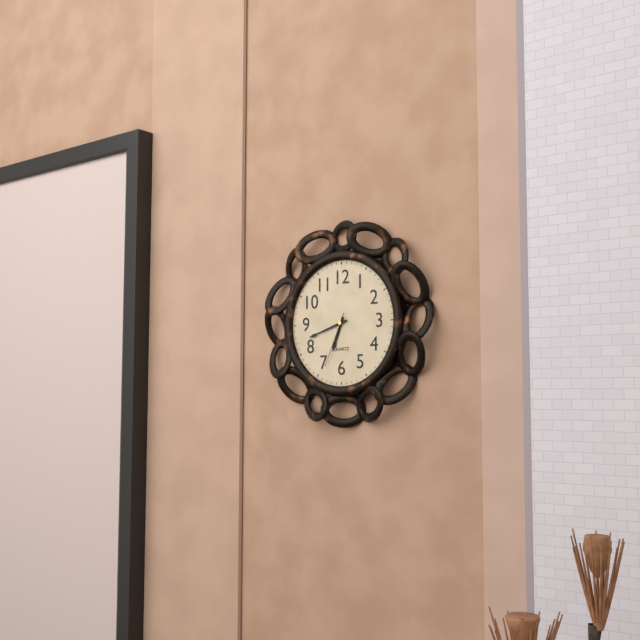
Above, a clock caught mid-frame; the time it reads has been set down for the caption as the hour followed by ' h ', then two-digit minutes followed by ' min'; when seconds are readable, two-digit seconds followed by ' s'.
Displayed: 6 h 42 min 34 s
